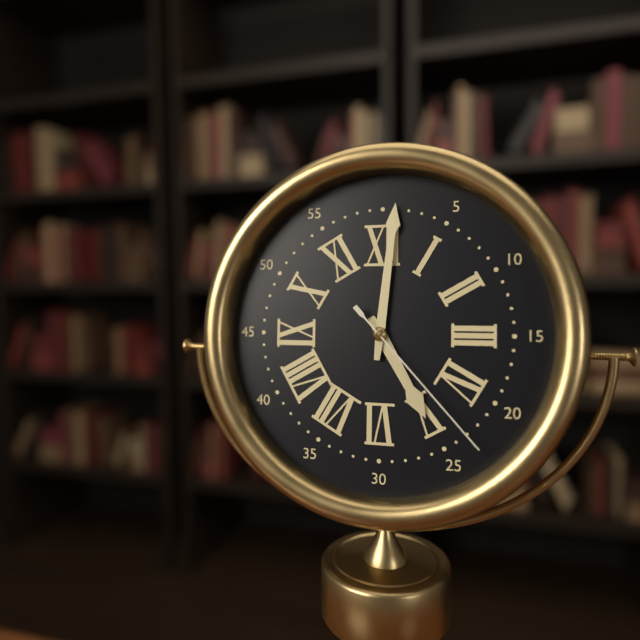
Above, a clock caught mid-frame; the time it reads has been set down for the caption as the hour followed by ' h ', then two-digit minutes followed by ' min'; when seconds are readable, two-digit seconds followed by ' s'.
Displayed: 5 h 01 min 23 s
